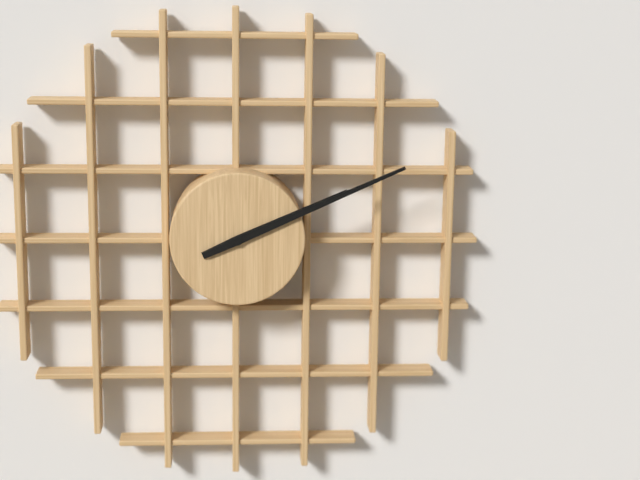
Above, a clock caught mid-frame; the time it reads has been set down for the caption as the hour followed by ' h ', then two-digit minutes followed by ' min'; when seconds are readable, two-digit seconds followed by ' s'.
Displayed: 2 h 11 min
